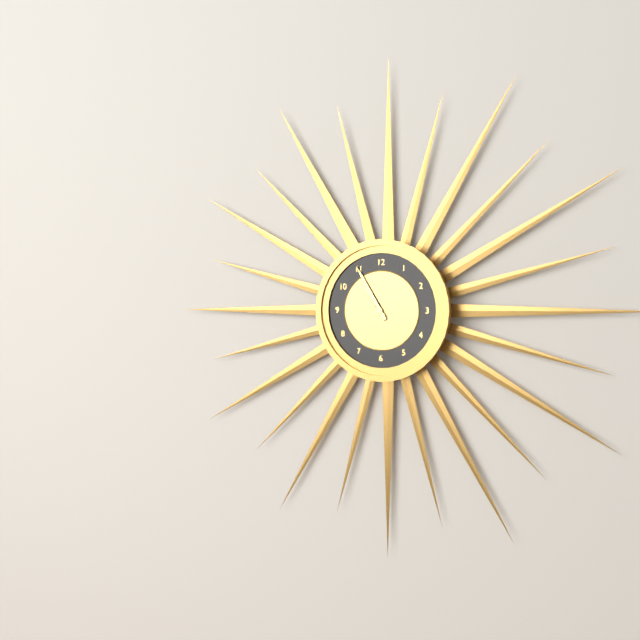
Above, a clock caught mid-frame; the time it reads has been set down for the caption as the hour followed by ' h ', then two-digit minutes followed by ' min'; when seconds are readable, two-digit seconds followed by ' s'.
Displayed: 10 h 55 min
